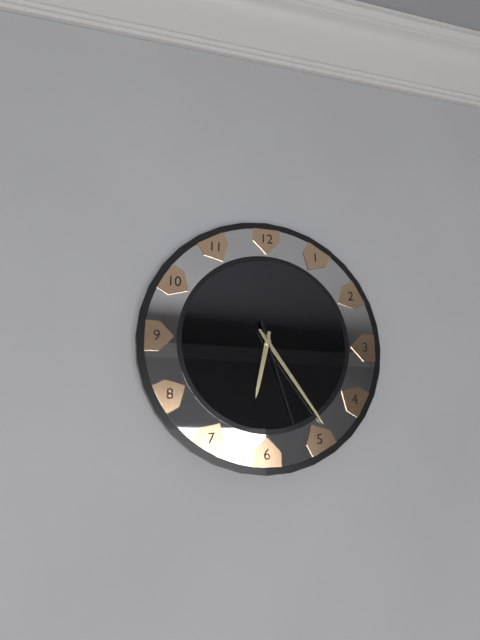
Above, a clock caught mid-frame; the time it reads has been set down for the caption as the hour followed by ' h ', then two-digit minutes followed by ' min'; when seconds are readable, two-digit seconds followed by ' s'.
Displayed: 6 h 24 min 27 s
